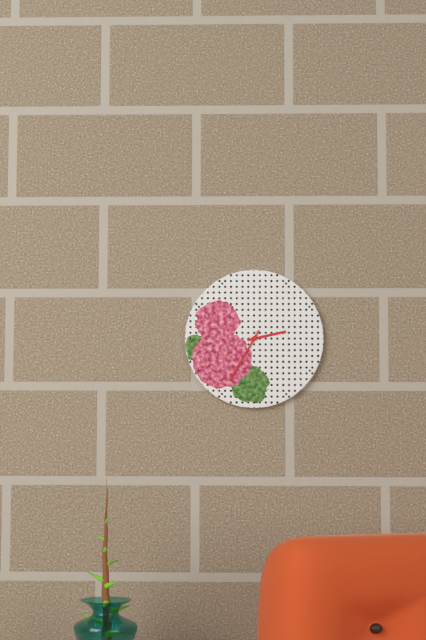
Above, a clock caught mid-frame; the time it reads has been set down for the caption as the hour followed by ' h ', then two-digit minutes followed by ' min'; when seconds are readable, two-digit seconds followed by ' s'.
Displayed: 2 h 35 min
